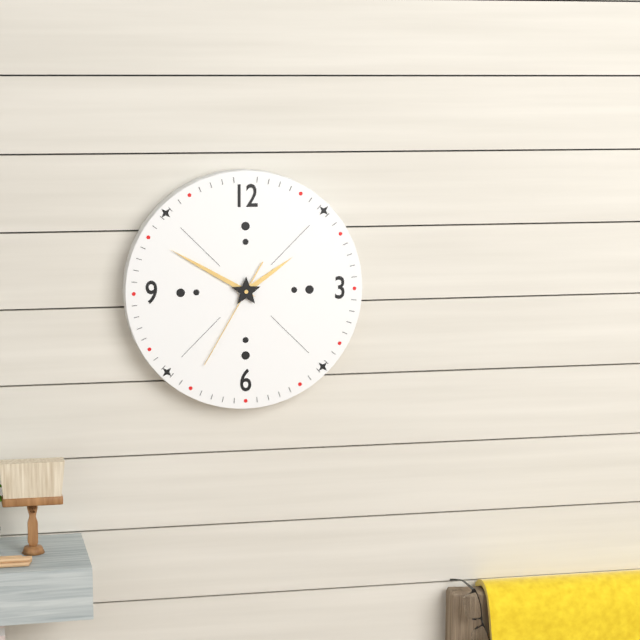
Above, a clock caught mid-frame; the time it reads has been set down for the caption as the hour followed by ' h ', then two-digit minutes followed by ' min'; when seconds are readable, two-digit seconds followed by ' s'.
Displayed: 1 h 50 min 35 s
